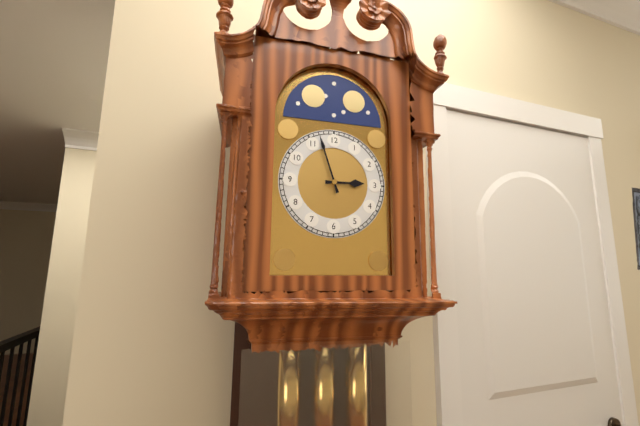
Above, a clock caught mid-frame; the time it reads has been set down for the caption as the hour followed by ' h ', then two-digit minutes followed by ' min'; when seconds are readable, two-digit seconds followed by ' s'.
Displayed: 2 h 57 min
